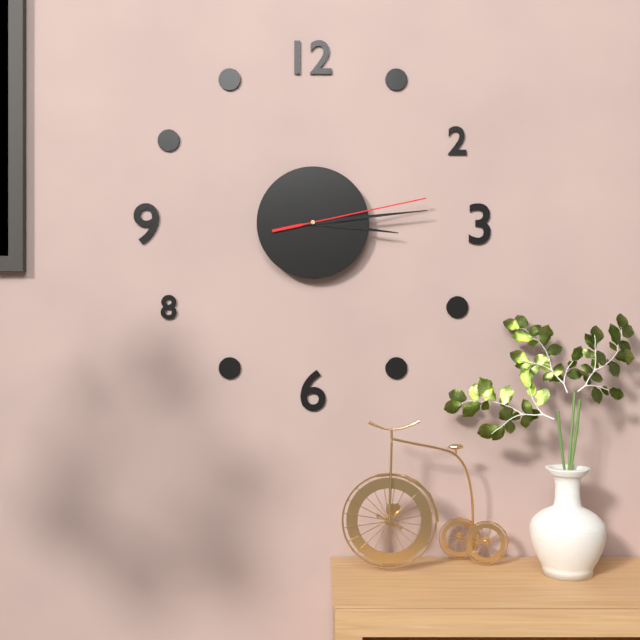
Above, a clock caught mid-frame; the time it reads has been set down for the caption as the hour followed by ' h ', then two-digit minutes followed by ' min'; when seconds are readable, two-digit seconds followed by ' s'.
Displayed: 3 h 14 min 13 s
